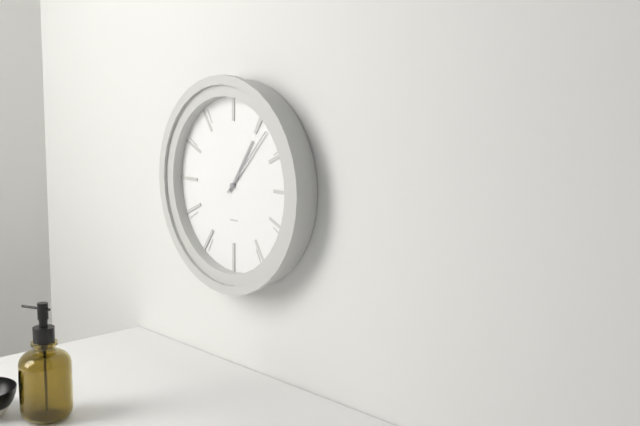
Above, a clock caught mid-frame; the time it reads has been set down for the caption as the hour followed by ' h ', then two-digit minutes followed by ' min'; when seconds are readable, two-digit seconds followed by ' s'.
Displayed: 1 h 07 min
